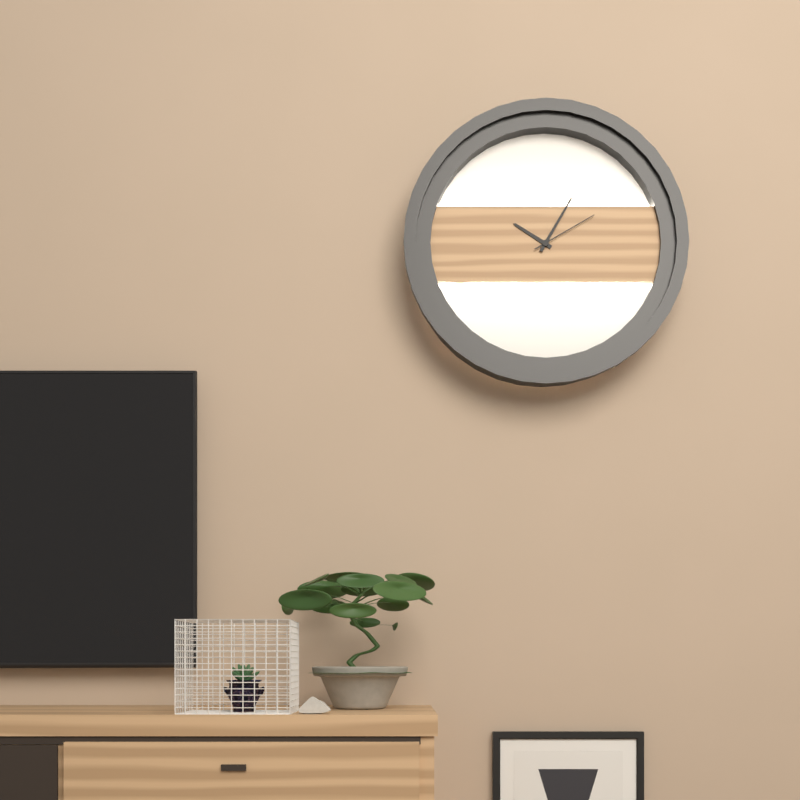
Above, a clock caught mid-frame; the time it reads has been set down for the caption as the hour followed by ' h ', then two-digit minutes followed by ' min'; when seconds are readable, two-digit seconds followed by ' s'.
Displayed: 10 h 05 min 10 s
